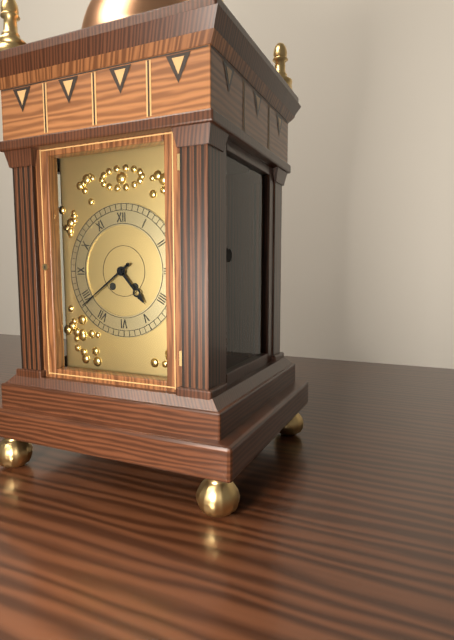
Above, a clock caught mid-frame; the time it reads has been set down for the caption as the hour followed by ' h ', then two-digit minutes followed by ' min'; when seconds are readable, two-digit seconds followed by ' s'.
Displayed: 4 h 39 min
